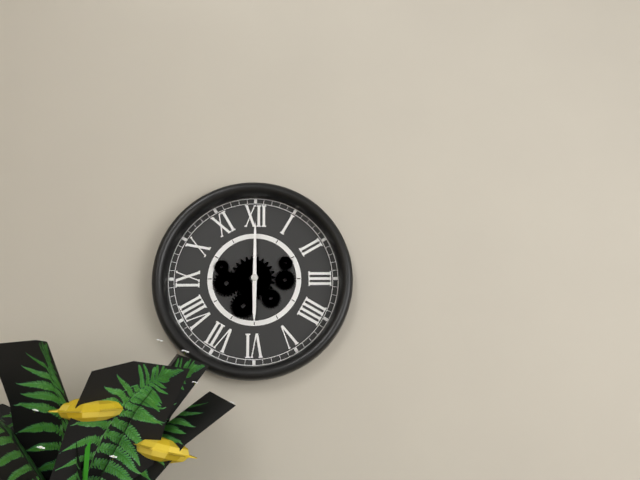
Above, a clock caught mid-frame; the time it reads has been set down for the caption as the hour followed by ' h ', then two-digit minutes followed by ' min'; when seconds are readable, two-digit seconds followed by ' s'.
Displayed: 6 h 00 min
